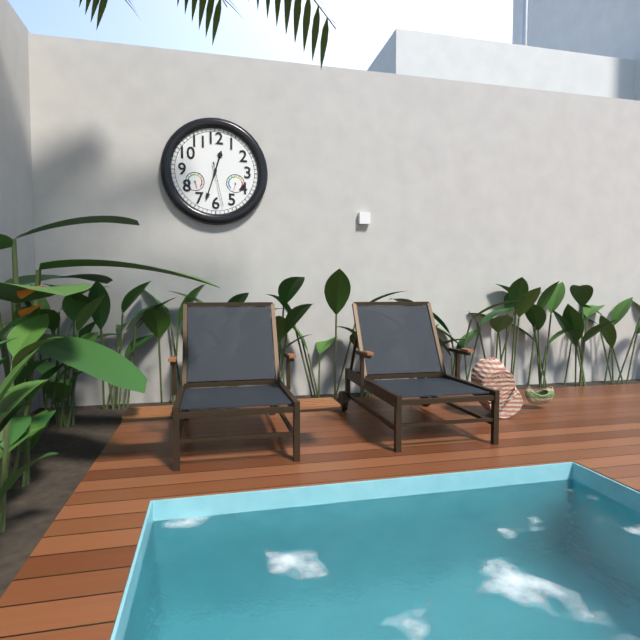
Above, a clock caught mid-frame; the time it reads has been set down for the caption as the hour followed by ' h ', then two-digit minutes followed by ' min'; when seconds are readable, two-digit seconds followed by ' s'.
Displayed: 12 h 33 min
